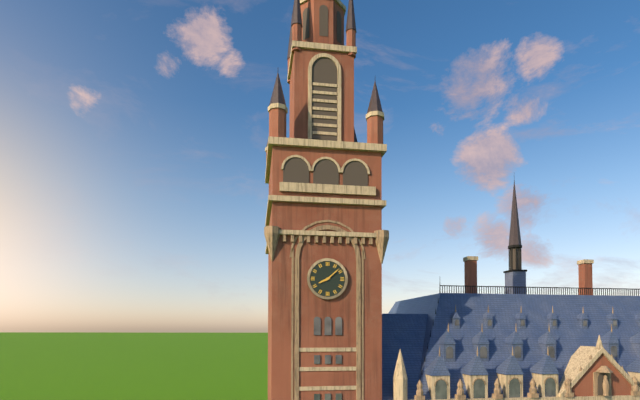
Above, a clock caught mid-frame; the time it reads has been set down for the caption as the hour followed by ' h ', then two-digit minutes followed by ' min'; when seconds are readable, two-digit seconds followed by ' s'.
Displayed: 8 h 08 min
